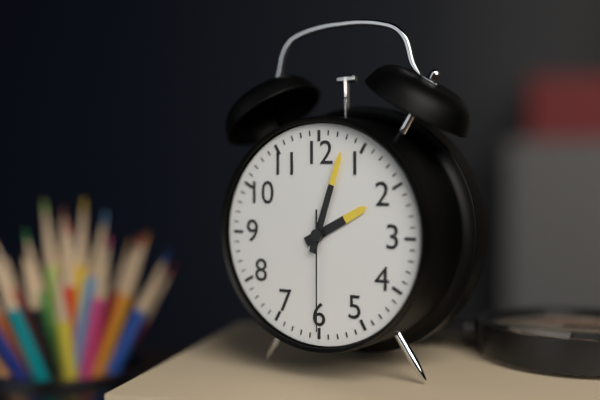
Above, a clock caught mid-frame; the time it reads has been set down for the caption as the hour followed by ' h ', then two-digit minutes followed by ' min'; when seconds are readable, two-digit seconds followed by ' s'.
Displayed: 2 h 03 min 30 s
